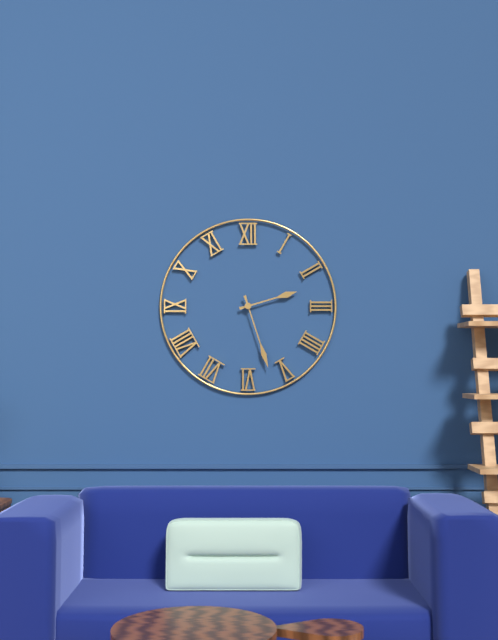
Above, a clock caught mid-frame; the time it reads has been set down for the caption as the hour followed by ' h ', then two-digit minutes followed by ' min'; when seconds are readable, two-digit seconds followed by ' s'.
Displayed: 2 h 27 min
